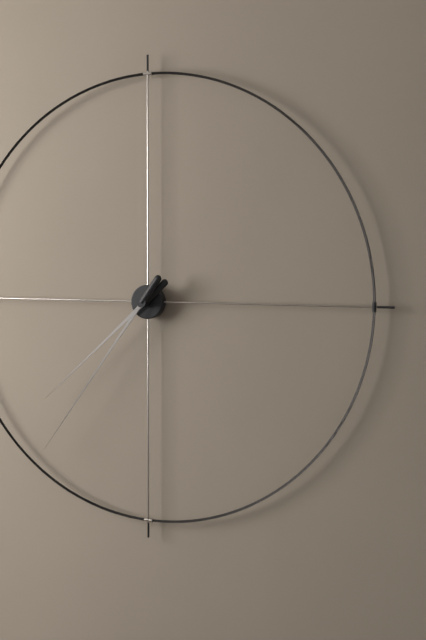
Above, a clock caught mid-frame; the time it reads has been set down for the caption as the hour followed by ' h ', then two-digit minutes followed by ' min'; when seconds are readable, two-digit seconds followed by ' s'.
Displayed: 7 h 36 min
